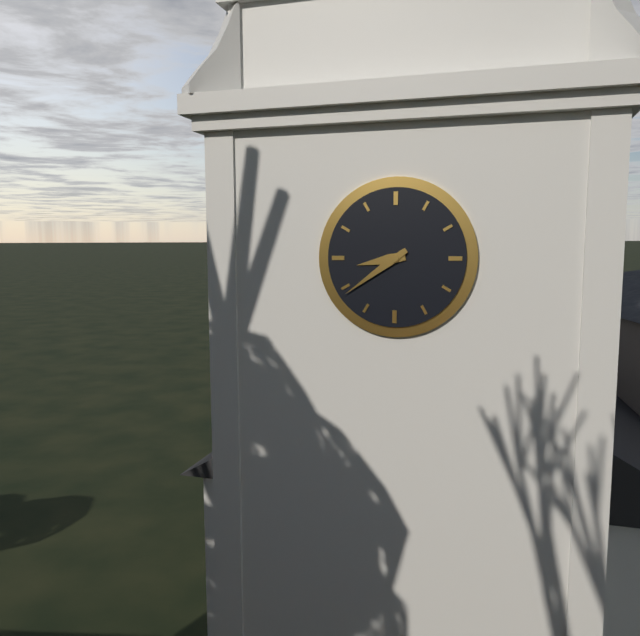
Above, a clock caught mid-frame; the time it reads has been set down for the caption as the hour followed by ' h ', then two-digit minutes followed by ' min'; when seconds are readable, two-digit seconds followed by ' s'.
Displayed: 8 h 39 min
